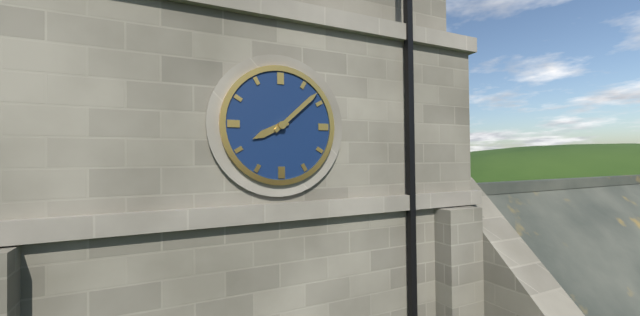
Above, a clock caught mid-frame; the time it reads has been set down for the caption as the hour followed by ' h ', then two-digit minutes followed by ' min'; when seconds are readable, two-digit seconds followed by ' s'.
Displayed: 8 h 08 min
